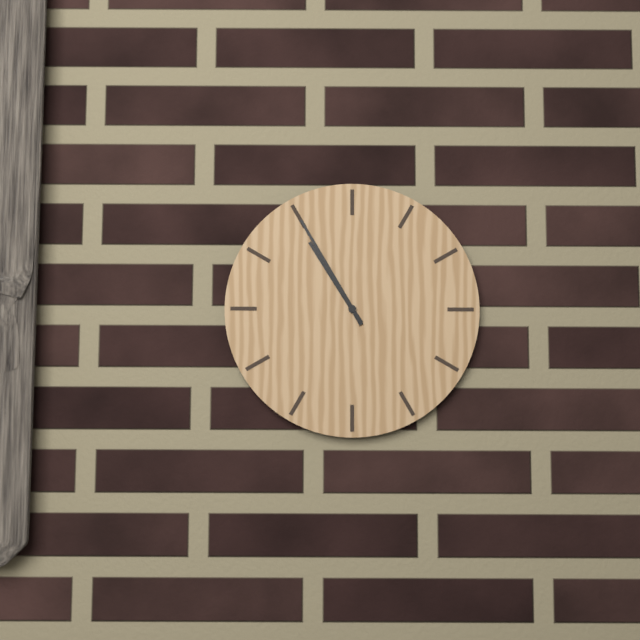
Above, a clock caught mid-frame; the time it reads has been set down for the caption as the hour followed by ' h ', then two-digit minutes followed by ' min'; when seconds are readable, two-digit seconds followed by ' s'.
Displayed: 10 h 55 min
